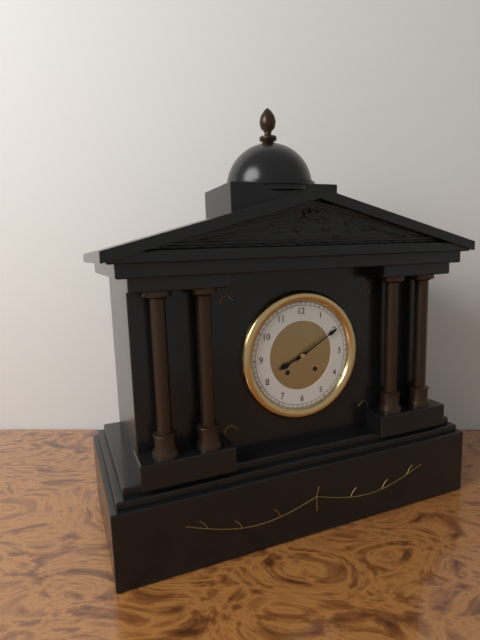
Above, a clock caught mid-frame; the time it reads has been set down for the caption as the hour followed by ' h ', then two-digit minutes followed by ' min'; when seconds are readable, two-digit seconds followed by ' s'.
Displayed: 8 h 10 min
